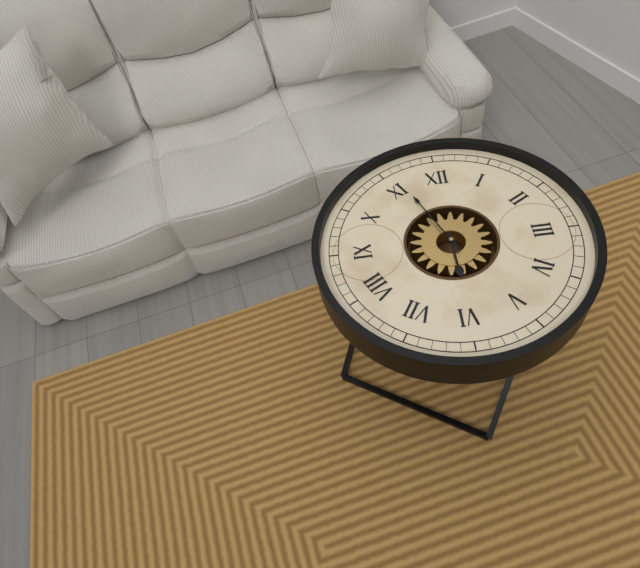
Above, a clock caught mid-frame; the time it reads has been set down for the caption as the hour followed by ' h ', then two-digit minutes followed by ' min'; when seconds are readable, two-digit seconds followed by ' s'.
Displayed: 5 h 56 min
